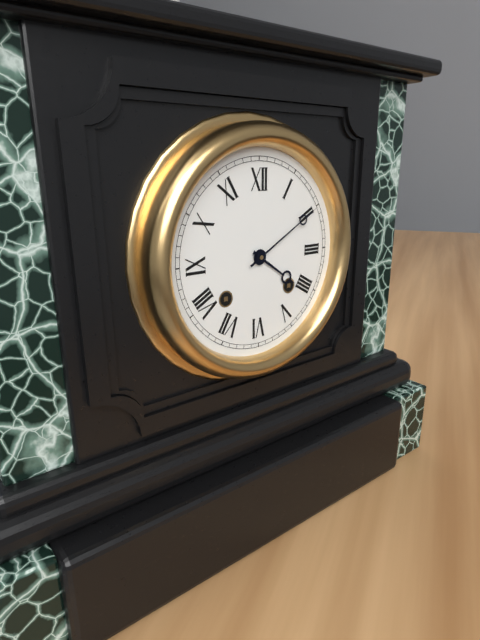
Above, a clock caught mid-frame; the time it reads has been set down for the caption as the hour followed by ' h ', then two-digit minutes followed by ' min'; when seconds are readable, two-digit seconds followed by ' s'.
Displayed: 4 h 10 min
